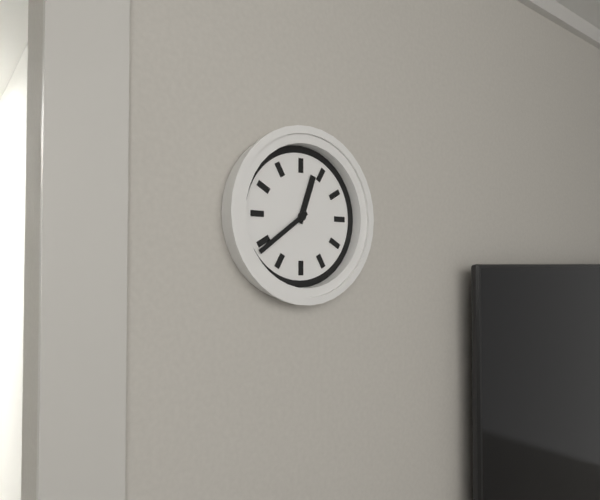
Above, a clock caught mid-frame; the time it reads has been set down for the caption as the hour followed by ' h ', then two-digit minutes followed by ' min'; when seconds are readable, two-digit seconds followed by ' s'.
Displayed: 12 h 39 min
